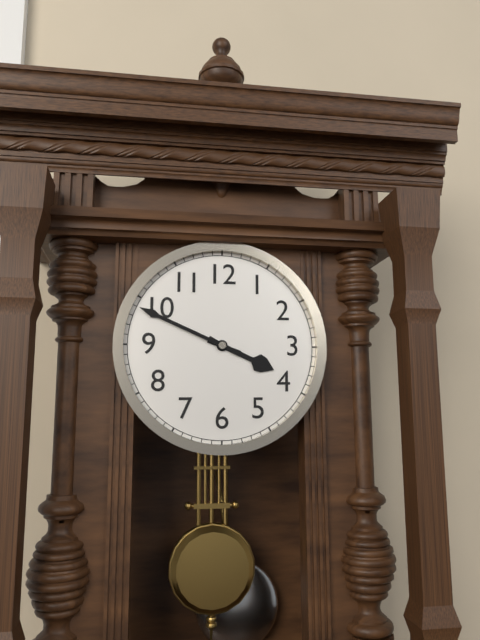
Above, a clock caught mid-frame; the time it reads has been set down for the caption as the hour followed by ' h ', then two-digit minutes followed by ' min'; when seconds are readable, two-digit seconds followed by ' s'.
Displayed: 3 h 49 min
